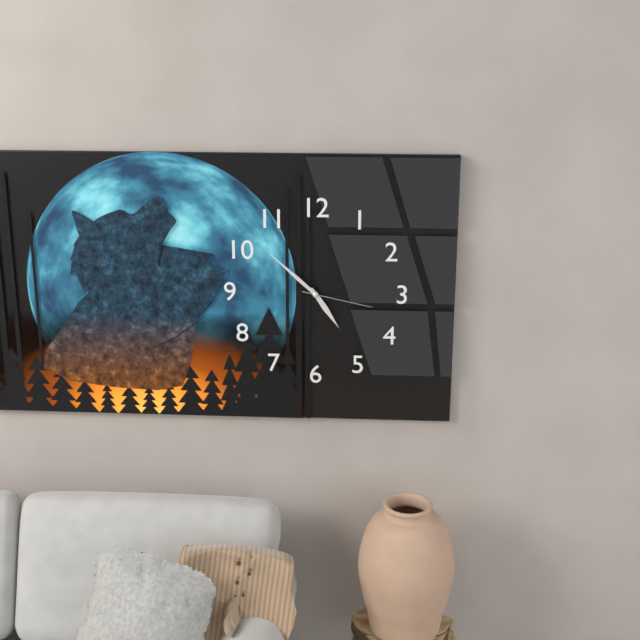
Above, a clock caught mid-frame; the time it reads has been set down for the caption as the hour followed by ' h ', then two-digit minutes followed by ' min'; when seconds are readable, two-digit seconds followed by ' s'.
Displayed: 4 h 52 min 17 s
